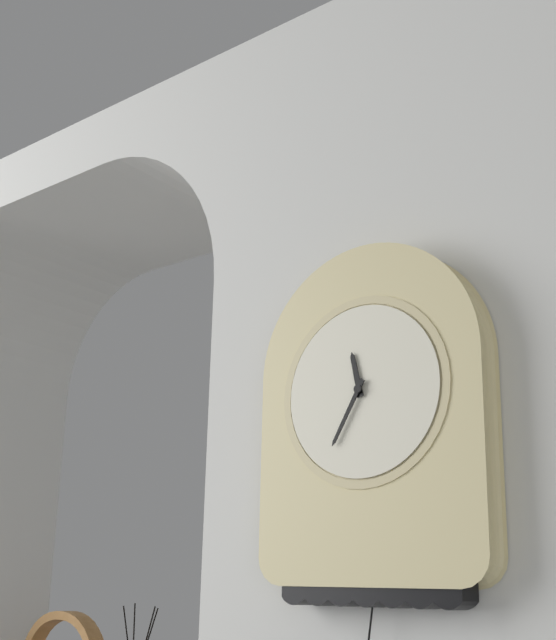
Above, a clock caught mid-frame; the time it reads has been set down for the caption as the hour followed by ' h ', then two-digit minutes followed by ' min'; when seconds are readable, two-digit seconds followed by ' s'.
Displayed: 11 h 35 min
